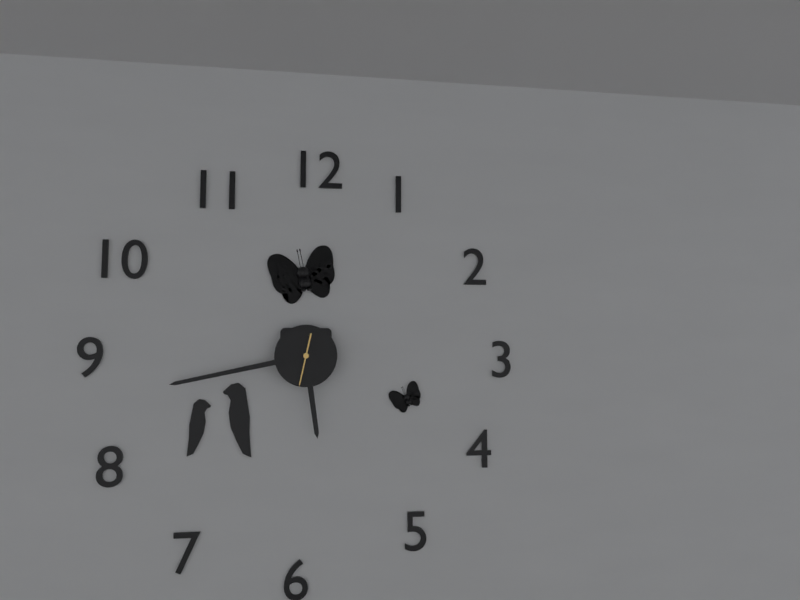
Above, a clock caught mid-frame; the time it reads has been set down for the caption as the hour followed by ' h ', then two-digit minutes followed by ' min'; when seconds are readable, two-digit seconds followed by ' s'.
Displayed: 5 h 43 min
